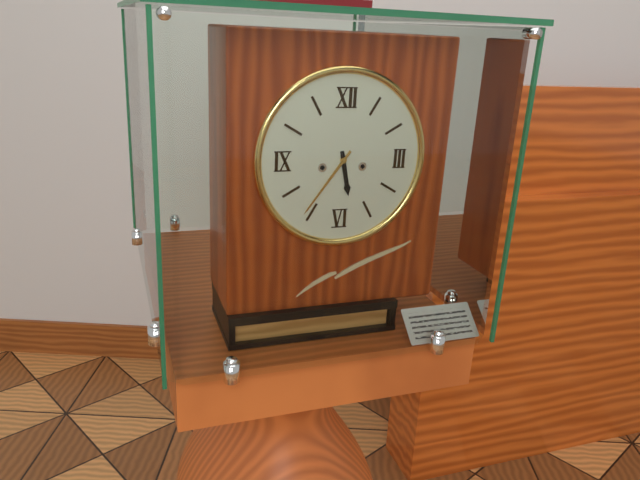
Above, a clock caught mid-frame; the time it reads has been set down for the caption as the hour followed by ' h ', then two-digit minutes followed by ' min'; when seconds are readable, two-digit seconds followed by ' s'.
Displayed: 5 h 36 min
